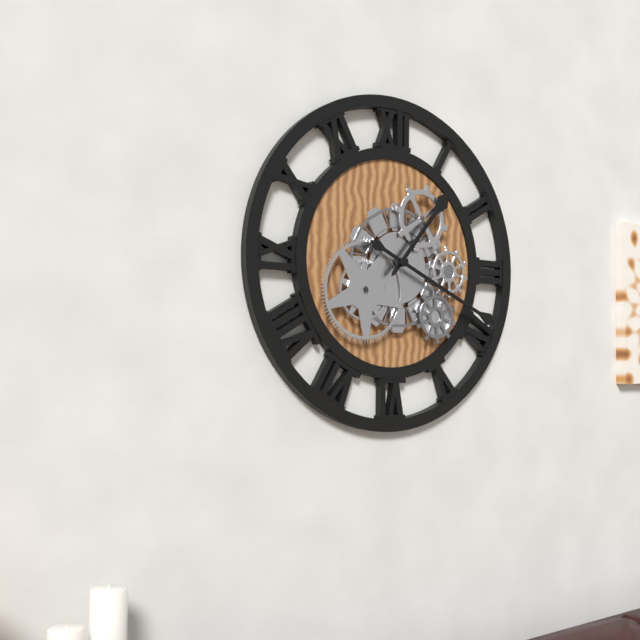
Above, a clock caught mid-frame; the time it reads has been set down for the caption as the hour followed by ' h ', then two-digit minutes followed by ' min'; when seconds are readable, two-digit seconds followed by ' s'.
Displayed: 1 h 19 min
